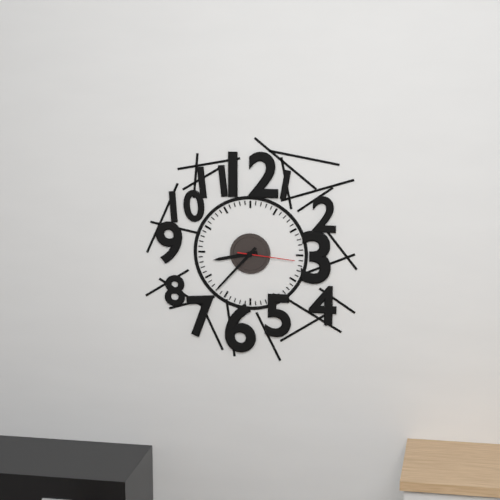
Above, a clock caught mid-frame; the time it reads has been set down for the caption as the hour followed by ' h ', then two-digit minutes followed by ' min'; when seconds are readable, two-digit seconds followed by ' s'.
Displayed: 8 h 37 min 16 s
